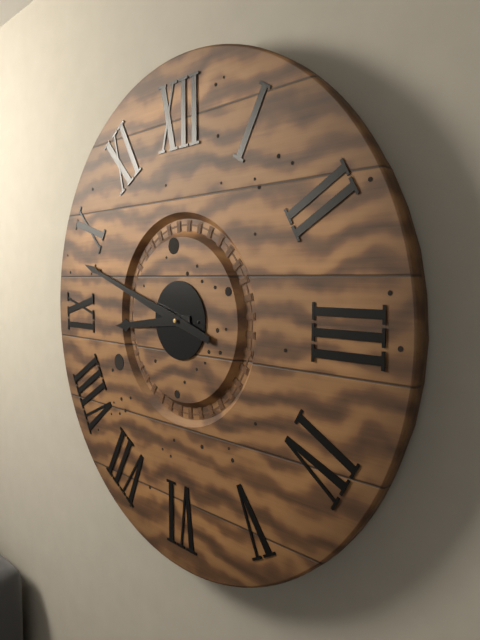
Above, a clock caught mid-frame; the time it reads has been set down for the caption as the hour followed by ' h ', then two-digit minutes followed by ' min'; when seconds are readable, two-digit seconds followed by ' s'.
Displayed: 8 h 48 min
